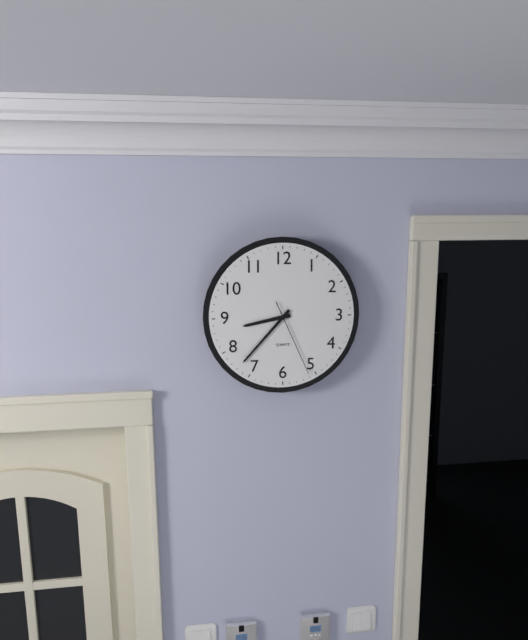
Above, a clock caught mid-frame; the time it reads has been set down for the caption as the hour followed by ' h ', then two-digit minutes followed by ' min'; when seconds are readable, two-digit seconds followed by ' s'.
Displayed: 8 h 37 min 26 s
